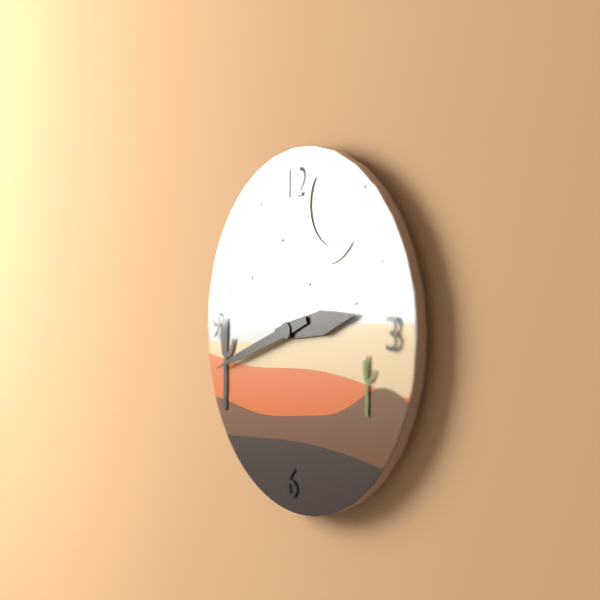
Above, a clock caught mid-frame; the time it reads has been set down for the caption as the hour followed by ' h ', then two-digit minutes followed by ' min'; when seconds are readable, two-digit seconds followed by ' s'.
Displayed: 2 h 42 min
